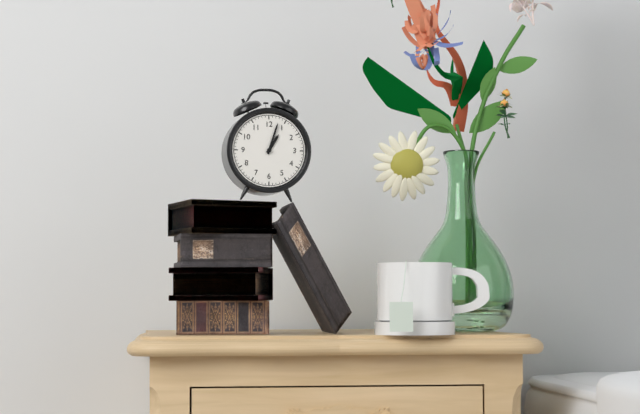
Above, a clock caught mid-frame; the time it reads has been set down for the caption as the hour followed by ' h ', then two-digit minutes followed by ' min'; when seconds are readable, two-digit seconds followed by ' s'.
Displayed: 1 h 03 min
